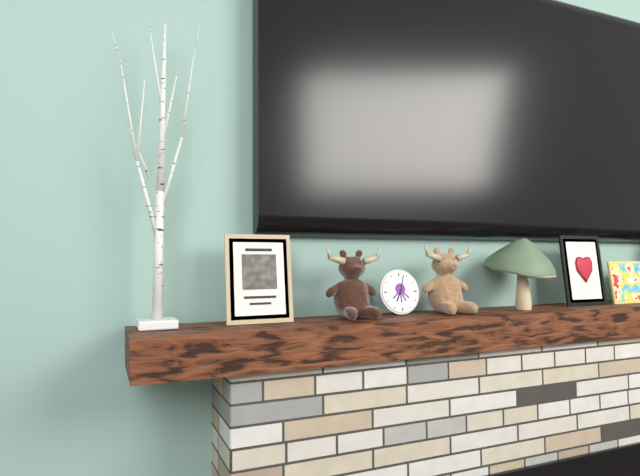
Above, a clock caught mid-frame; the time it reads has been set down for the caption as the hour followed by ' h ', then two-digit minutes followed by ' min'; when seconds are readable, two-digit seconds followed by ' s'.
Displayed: 7 h 03 min
